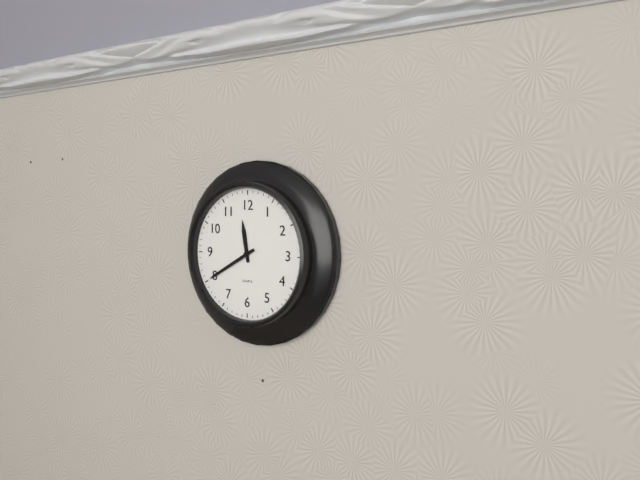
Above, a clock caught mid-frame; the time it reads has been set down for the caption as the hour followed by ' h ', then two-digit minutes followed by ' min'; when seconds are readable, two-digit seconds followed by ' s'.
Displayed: 11 h 40 min
